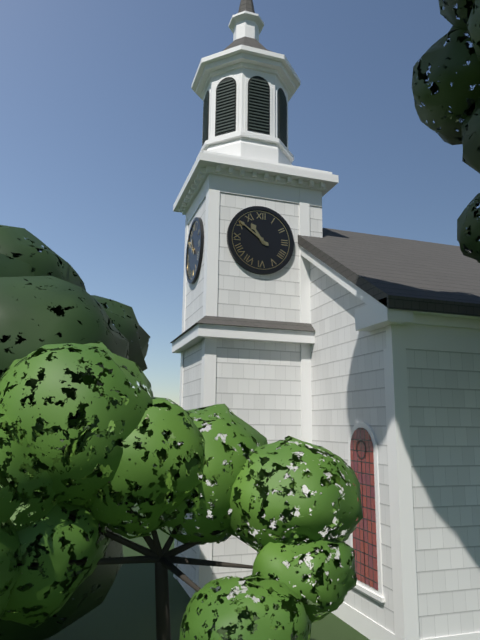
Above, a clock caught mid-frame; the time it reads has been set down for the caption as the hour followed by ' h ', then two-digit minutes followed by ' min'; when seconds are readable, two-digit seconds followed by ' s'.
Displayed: 10 h 51 min
